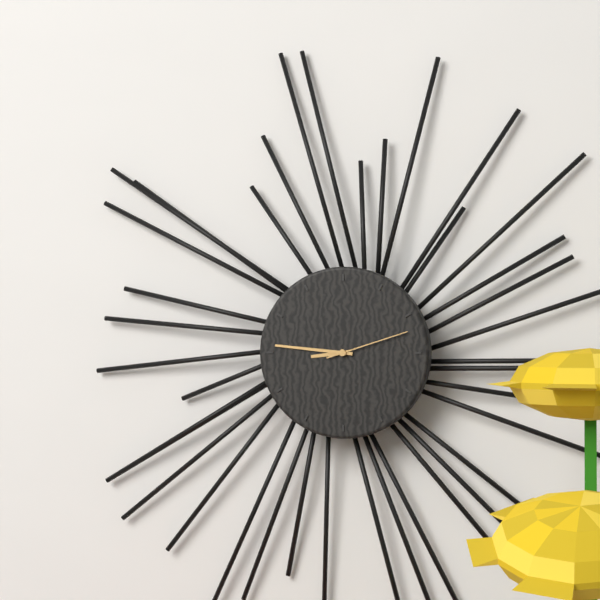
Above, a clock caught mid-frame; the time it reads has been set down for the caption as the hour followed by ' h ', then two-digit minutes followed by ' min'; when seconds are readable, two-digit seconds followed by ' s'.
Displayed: 8 h 46 min 12 s
